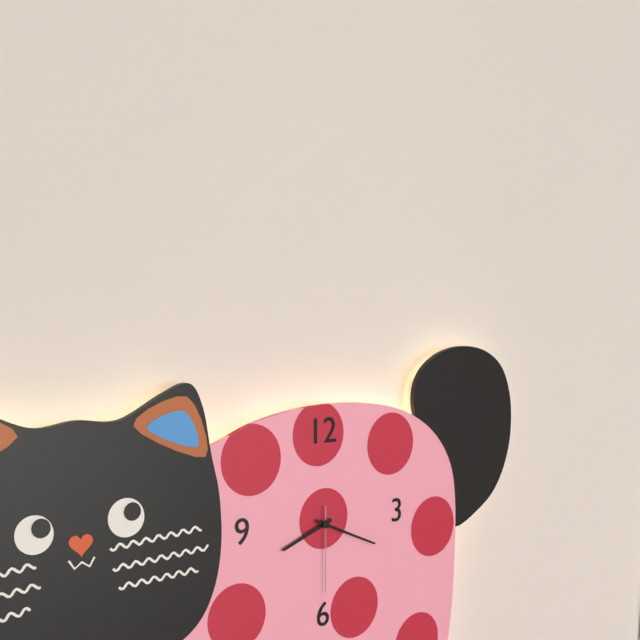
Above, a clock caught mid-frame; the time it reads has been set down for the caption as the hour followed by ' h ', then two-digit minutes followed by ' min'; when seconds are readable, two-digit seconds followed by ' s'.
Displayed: 8 h 19 min 30 s
